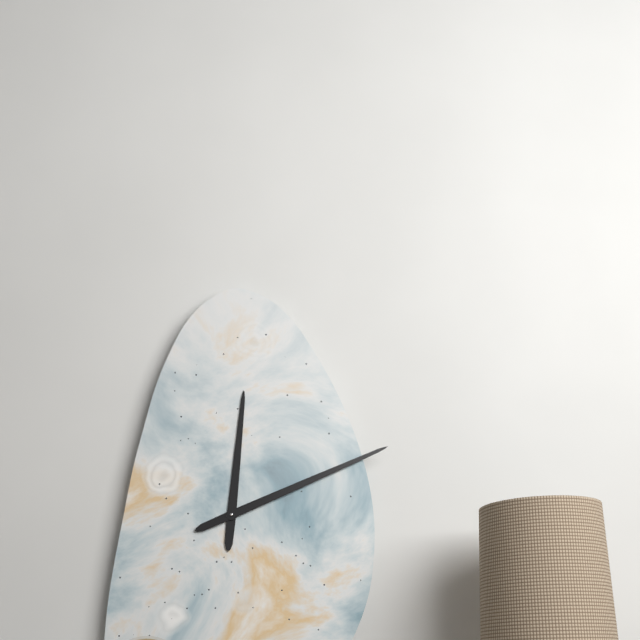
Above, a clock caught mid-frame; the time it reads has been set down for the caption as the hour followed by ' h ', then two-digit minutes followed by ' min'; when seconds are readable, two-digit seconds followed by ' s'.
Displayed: 12 h 11 min
